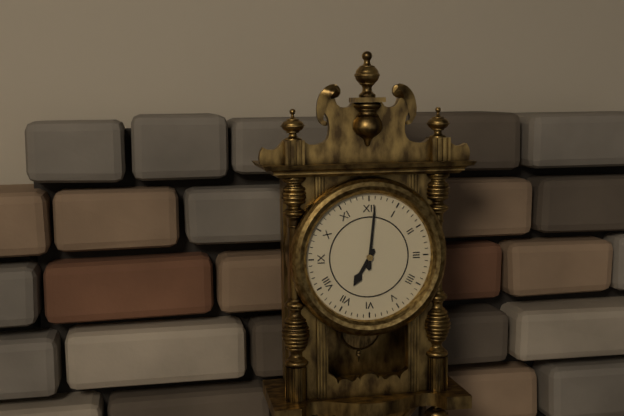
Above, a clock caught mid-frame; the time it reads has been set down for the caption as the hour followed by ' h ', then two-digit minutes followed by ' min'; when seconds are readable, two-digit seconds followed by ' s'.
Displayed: 7 h 01 min
